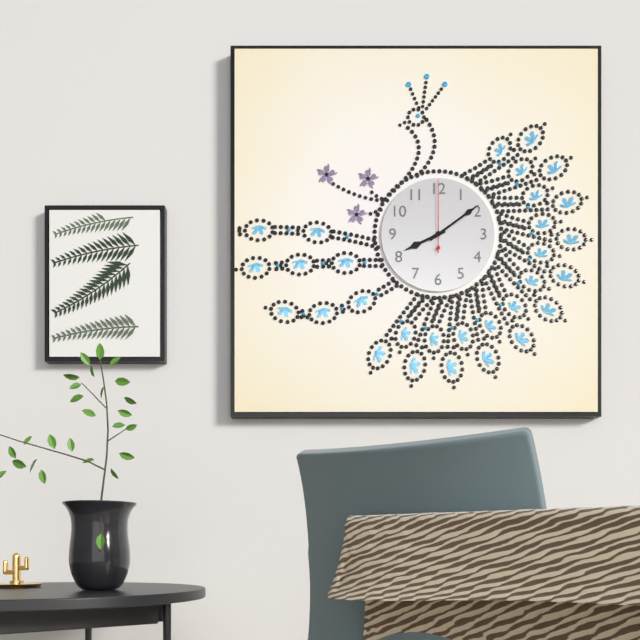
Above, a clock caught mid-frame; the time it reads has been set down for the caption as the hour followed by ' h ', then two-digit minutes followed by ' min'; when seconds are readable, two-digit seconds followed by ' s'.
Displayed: 8 h 09 min 00 s
